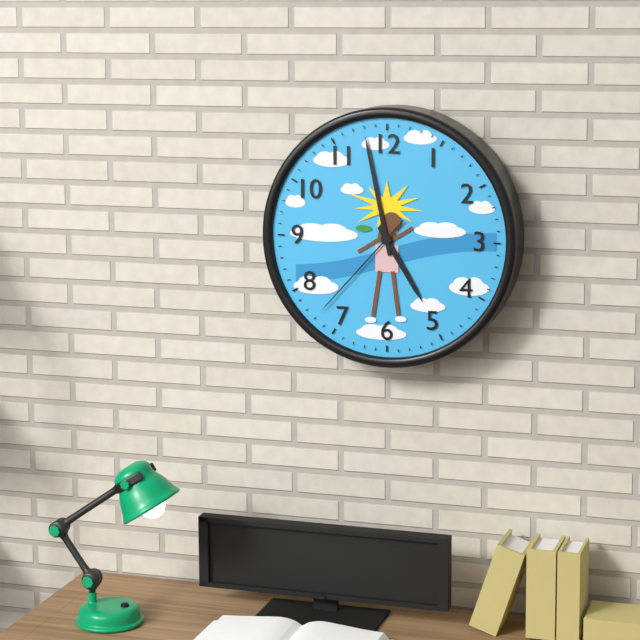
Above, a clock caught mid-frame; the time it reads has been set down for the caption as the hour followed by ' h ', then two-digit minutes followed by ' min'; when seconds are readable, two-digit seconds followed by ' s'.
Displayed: 4 h 58 min 37 s
